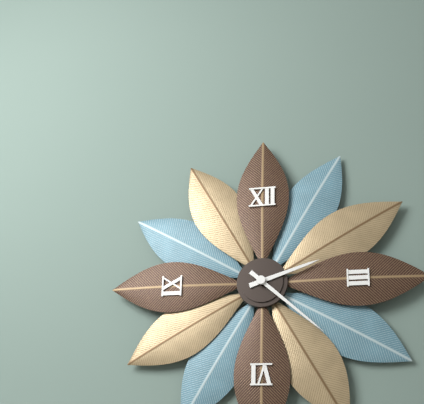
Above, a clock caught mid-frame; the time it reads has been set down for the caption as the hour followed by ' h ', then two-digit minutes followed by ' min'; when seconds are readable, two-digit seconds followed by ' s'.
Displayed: 2 h 22 min
